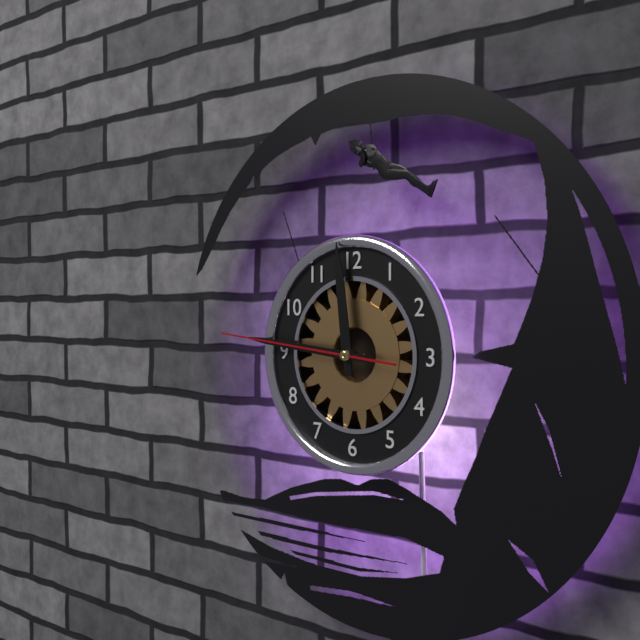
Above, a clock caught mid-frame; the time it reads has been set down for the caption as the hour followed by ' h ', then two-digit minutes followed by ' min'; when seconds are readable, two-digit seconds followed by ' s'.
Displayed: 11 h 46 min 46 s
